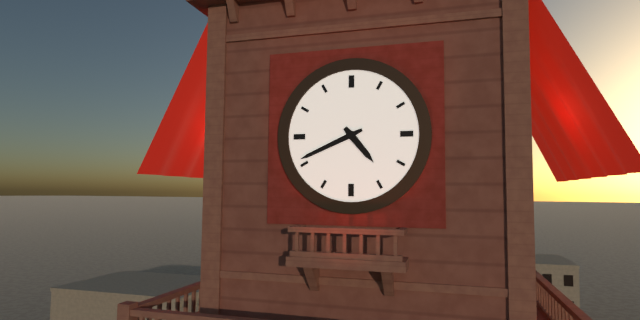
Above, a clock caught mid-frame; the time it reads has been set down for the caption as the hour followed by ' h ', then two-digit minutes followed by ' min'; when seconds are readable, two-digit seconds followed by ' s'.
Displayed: 4 h 41 min
